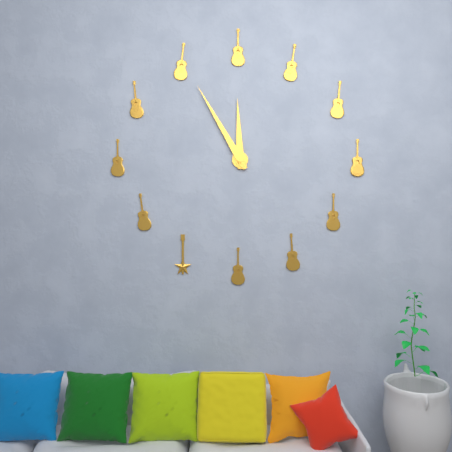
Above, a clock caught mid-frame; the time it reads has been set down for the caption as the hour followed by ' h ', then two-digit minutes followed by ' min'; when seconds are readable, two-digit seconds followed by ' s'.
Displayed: 11 h 55 min
